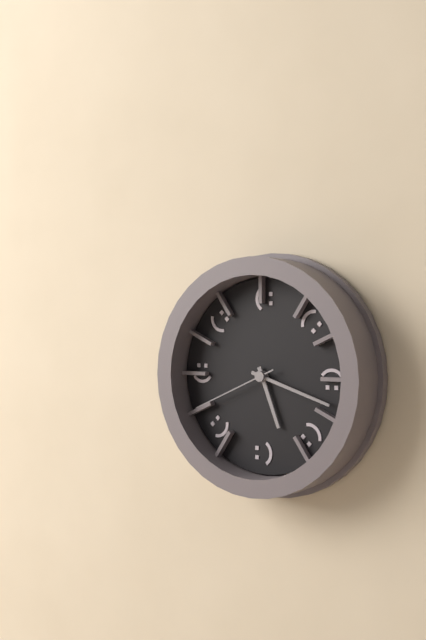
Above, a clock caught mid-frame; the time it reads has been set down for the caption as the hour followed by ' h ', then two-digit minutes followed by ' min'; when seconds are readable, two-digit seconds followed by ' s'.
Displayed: 5 h 18 min 41 s
